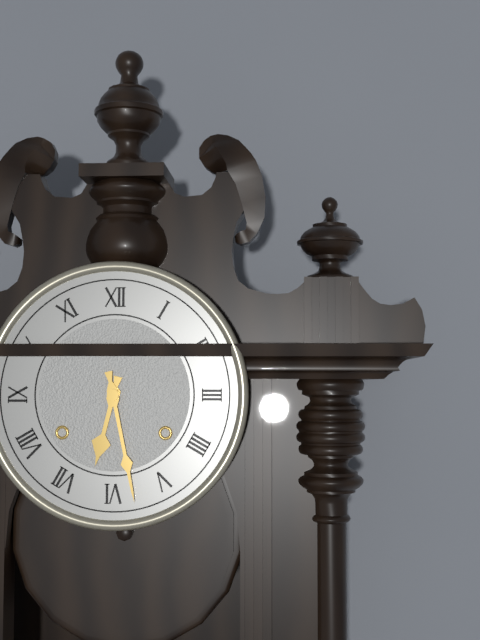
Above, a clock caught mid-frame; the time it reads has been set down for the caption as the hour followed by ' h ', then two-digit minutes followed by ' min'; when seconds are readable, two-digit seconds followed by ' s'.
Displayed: 6 h 28 min
